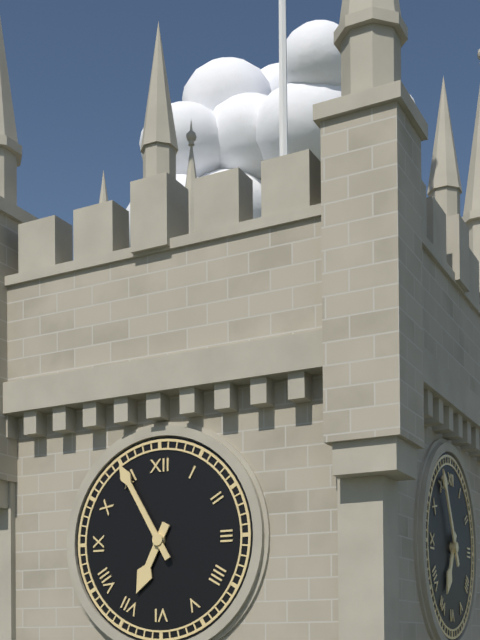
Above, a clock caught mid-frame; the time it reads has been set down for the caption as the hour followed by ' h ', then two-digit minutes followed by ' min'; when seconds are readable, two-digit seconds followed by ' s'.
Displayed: 6 h 55 min
